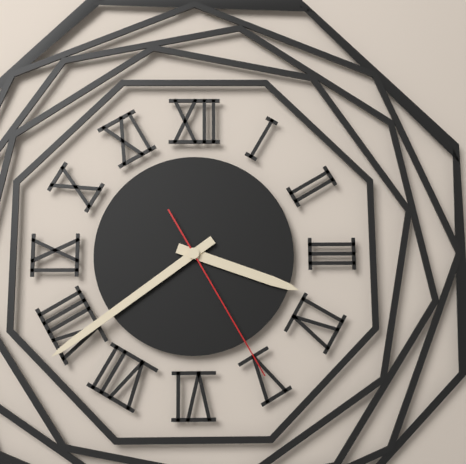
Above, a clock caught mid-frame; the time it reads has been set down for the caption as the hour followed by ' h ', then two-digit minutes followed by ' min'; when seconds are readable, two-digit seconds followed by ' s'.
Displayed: 3 h 39 min 25 s
